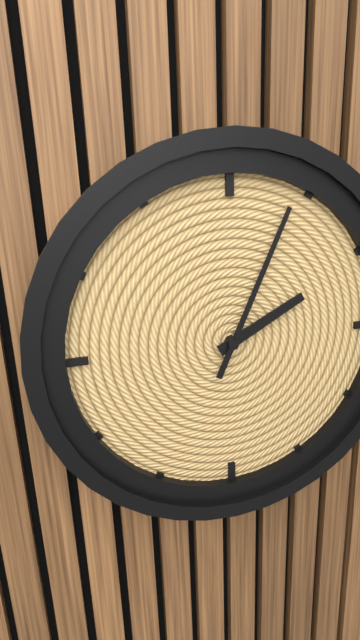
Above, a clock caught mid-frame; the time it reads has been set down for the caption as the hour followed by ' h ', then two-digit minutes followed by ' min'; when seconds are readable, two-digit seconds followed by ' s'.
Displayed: 2 h 04 min
